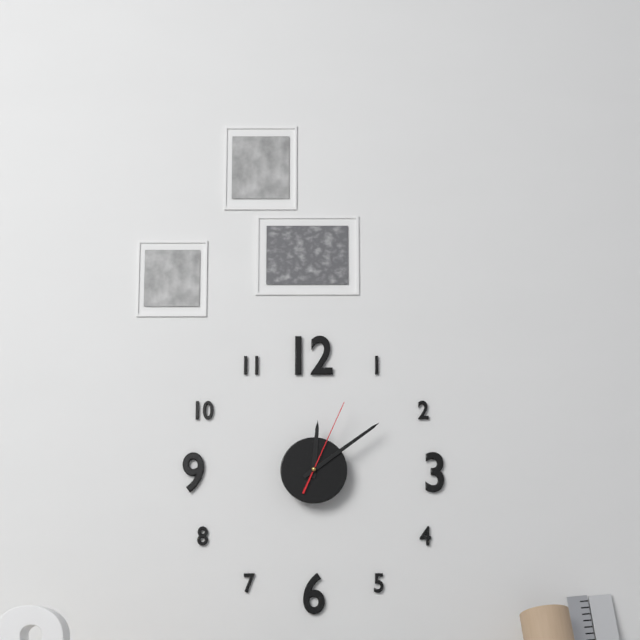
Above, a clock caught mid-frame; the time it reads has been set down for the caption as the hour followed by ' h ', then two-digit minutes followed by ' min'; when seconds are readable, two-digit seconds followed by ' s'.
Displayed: 12 h 09 min 04 s
